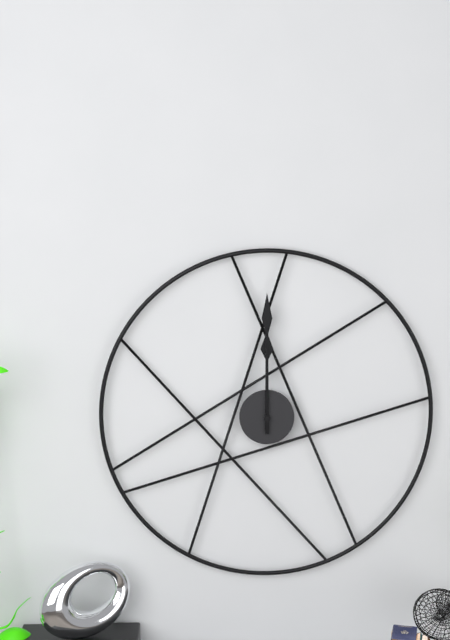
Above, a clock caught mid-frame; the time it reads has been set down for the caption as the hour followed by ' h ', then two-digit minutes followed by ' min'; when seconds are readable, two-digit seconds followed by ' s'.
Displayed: 12 h 00 min
